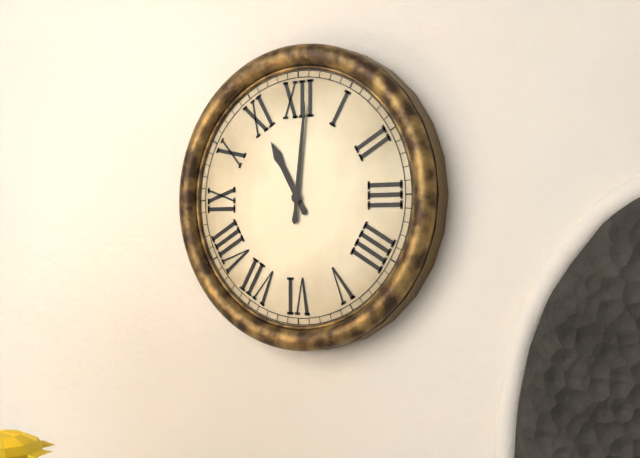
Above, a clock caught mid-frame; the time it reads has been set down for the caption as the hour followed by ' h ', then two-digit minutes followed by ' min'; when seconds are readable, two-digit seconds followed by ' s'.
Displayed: 11 h 01 min
